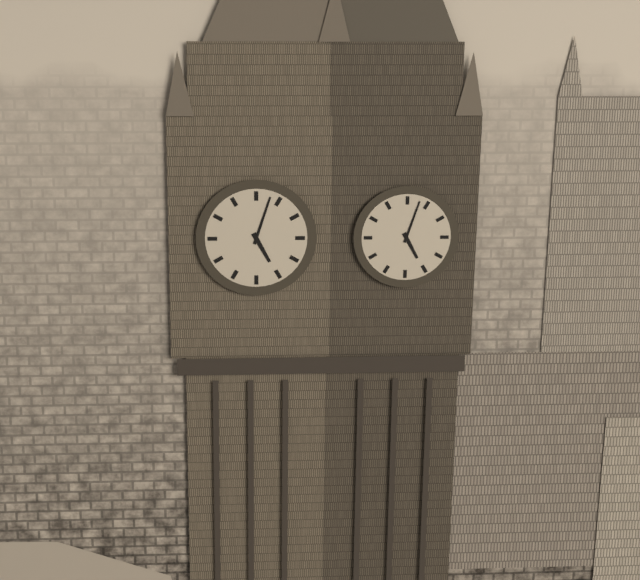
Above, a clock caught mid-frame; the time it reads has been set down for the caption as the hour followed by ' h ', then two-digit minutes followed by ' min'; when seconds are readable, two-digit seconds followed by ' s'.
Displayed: 5 h 03 min
